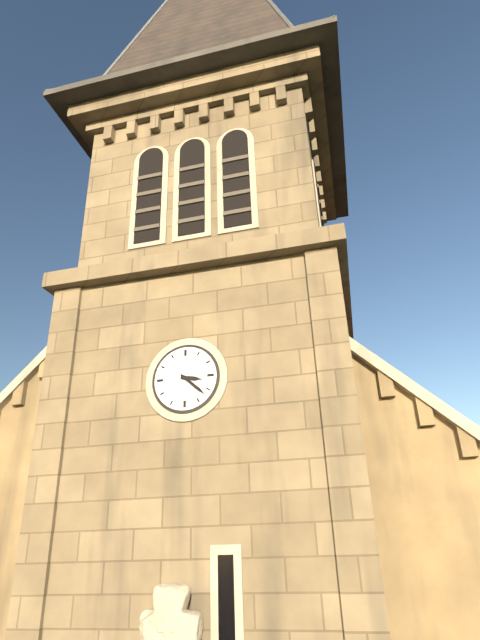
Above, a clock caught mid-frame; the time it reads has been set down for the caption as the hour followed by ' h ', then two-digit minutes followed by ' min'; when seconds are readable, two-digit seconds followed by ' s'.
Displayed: 3 h 22 min
